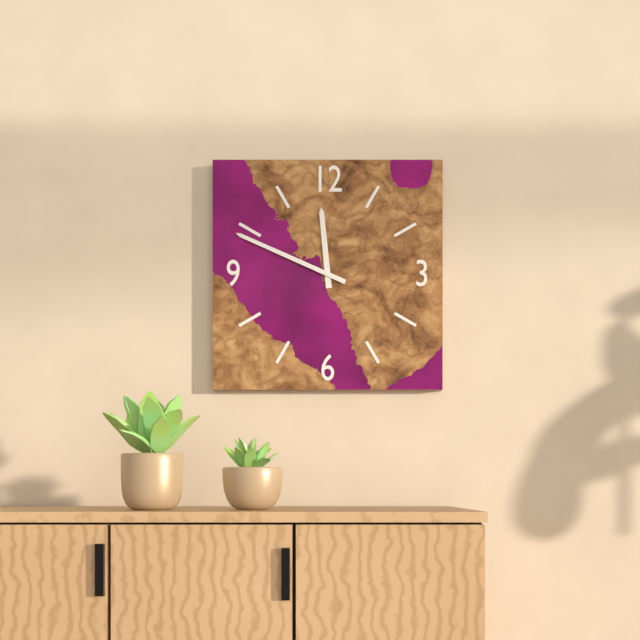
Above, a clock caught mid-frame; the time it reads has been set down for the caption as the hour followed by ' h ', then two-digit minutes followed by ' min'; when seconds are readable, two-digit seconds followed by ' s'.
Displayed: 11 h 49 min
